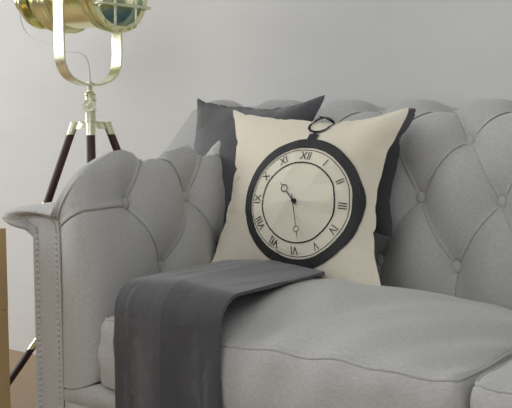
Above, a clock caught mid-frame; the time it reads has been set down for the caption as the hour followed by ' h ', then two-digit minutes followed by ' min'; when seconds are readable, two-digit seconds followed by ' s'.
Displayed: 10 h 27 min
